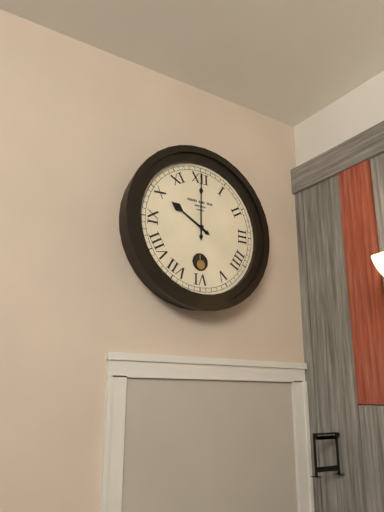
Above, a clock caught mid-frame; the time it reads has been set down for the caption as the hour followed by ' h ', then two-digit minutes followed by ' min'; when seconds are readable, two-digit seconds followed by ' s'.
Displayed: 10 h 00 min
